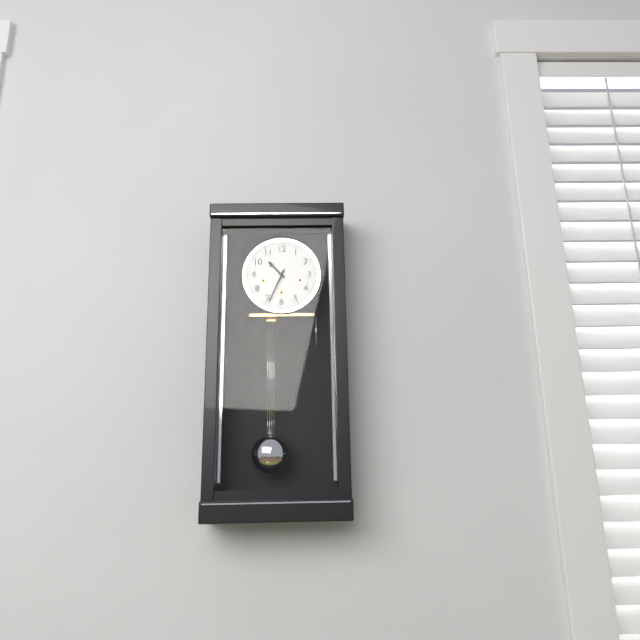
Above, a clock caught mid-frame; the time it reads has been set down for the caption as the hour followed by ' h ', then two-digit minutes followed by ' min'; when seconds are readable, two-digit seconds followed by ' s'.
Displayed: 10 h 34 min
